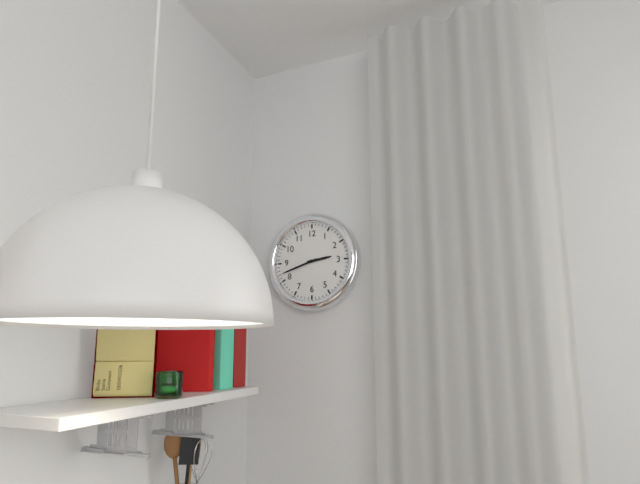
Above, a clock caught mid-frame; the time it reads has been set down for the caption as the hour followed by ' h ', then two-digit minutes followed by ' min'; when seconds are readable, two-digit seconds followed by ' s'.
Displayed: 2 h 42 min
